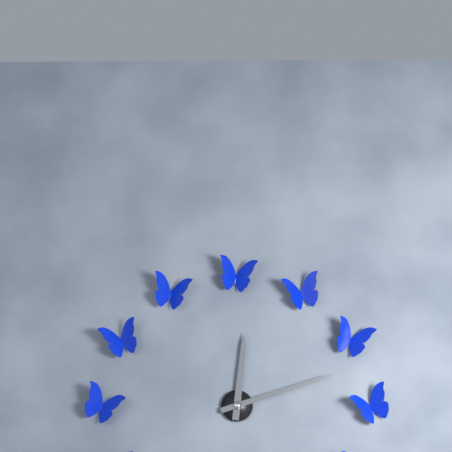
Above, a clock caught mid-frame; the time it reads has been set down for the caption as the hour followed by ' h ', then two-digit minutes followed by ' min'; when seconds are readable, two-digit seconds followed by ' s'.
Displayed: 12 h 12 min
